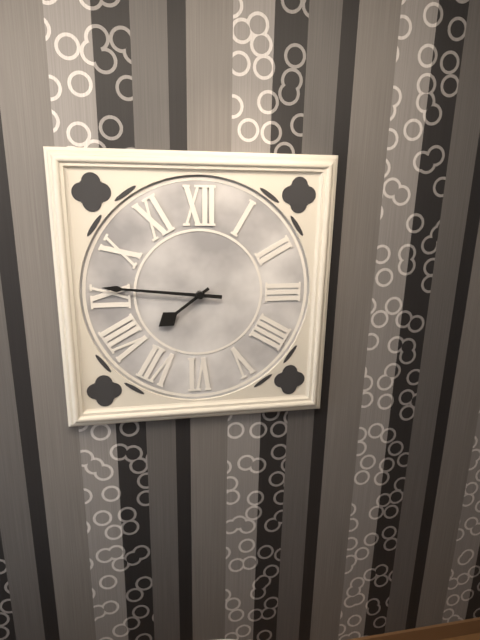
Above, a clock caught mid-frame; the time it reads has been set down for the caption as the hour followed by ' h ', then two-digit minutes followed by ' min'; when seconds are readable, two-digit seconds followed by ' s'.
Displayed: 7 h 46 min
